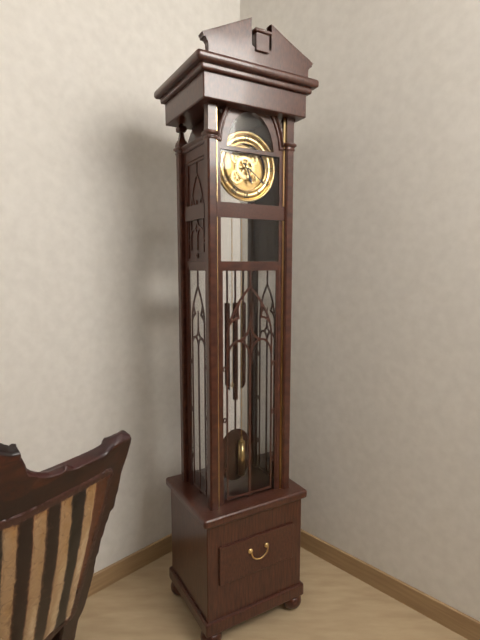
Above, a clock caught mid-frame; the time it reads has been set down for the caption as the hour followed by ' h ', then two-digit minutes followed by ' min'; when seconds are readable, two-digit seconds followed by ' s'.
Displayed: 5 h 21 min
